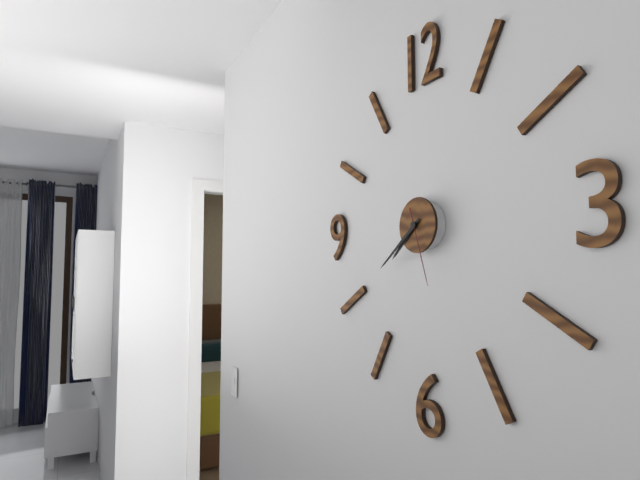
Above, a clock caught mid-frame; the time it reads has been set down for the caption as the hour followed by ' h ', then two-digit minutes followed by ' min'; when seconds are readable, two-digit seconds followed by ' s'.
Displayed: 7 h 39 min 27 s
